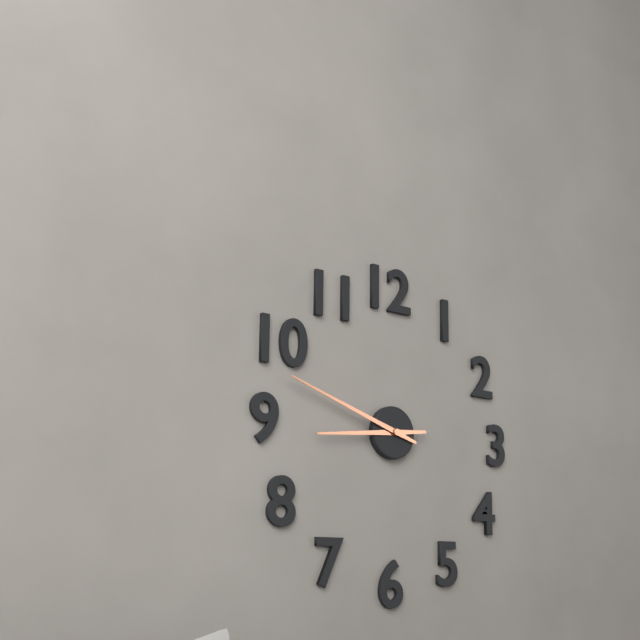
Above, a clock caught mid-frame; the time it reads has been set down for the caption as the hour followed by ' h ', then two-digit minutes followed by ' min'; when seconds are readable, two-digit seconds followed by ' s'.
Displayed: 8 h 48 min
